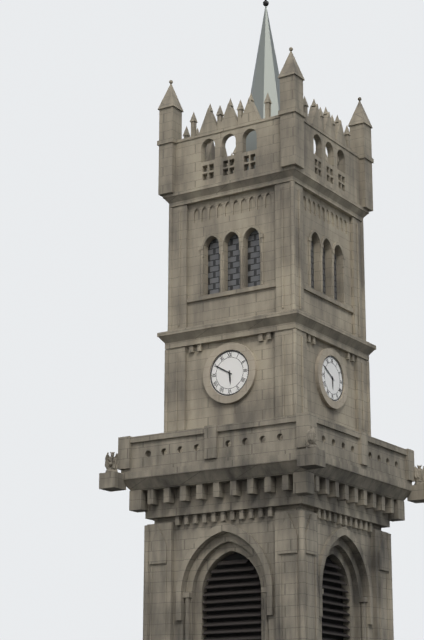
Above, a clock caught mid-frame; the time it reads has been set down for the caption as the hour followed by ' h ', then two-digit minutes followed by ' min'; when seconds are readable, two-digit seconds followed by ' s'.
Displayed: 5 h 50 min
